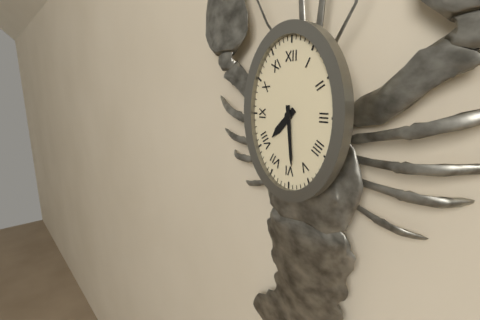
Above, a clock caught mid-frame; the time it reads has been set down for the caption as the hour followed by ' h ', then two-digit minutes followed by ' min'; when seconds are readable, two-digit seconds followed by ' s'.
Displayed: 7 h 29 min
